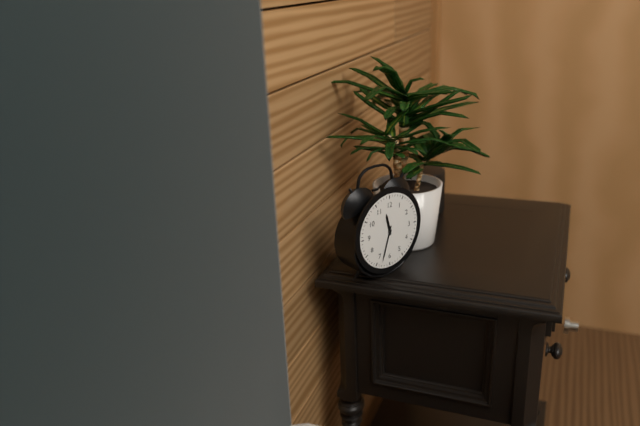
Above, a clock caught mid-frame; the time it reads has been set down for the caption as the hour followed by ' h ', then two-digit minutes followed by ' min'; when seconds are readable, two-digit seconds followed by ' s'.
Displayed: 11 h 33 min
